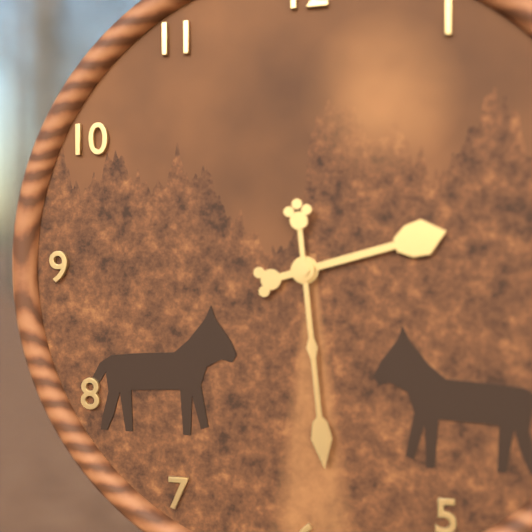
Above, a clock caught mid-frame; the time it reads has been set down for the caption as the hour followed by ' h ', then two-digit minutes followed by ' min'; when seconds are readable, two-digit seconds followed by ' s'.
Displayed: 2 h 29 min
